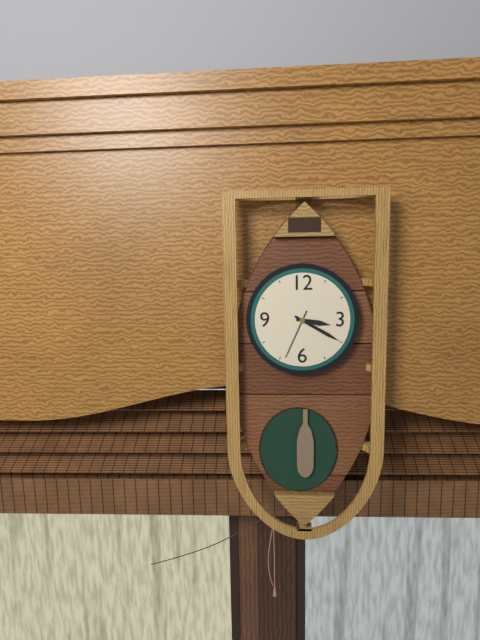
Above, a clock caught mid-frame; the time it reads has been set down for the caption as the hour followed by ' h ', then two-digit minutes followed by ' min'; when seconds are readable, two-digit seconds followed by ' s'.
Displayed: 3 h 20 min 34 s
